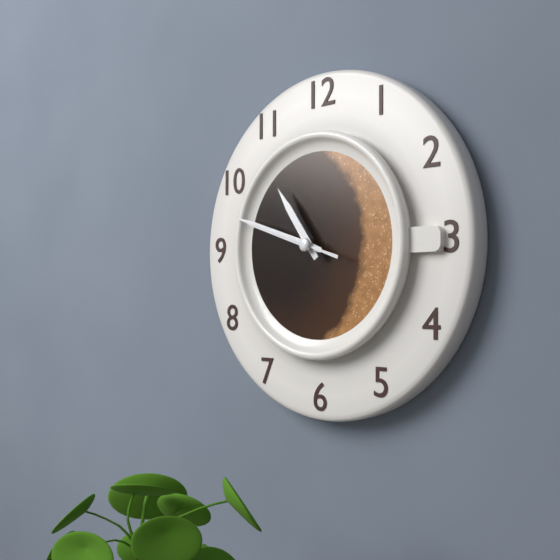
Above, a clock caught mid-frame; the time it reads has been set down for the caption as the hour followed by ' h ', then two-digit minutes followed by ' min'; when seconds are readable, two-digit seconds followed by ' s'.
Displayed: 10 h 48 min 48 s
